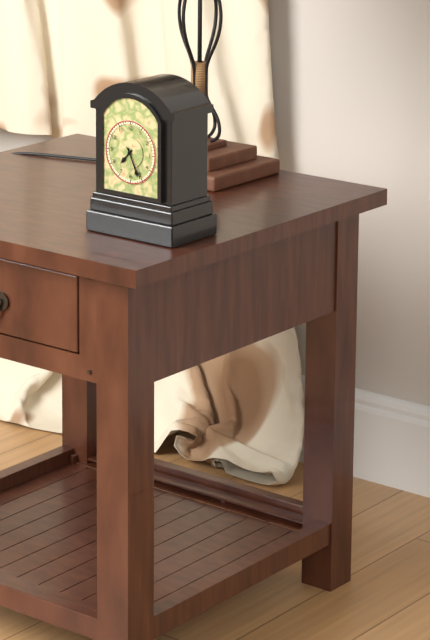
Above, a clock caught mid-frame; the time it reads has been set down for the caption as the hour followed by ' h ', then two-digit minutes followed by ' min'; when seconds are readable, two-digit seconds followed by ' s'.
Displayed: 7 h 26 min
